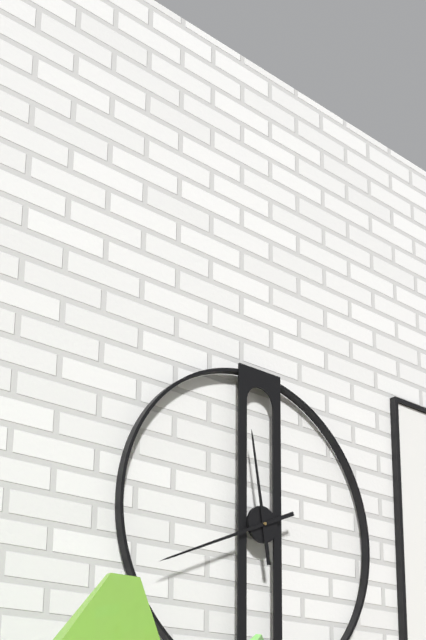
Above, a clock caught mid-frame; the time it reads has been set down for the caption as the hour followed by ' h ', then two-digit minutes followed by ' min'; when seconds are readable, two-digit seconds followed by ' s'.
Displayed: 11 h 41 min
